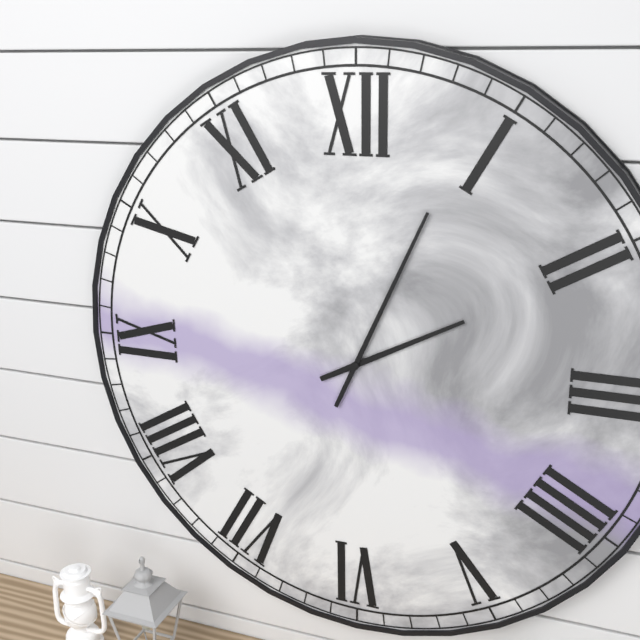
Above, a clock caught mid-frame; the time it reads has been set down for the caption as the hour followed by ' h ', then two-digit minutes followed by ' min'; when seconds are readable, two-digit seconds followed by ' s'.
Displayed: 2 h 04 min
